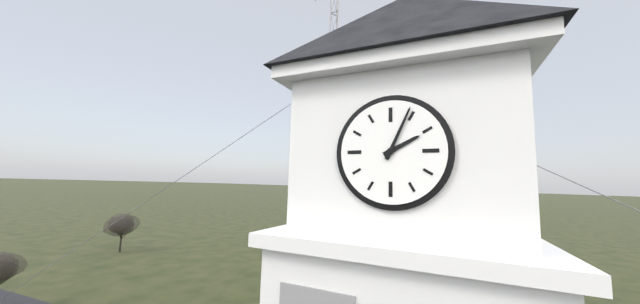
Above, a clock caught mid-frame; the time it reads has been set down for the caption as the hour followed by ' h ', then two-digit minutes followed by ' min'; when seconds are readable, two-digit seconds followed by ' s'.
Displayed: 2 h 04 min
